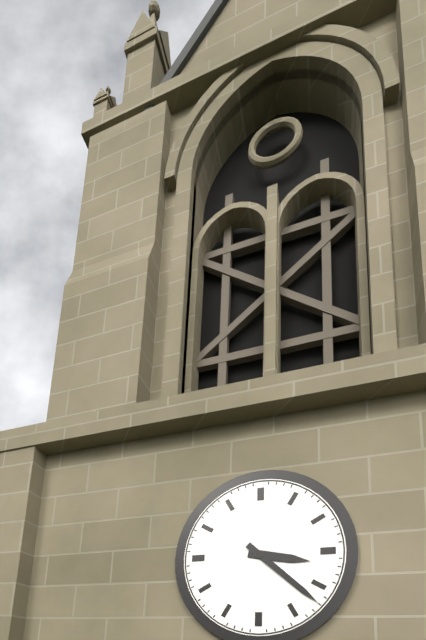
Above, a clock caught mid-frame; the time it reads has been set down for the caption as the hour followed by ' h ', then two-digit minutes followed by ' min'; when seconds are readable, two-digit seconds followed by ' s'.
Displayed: 3 h 22 min
